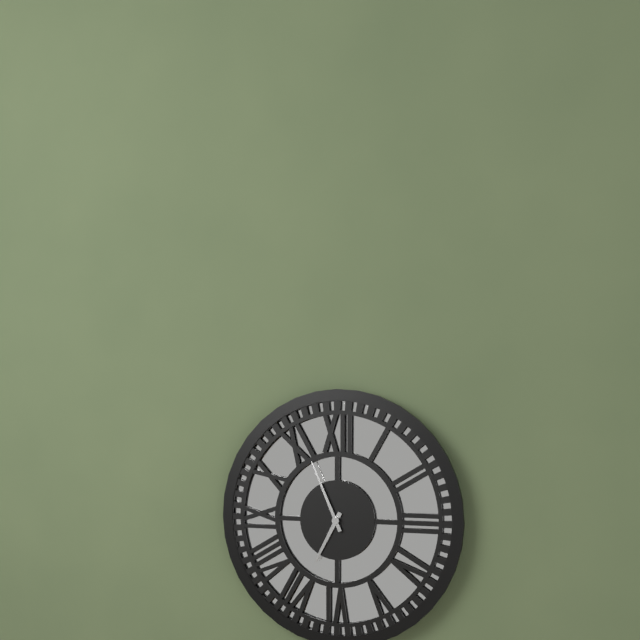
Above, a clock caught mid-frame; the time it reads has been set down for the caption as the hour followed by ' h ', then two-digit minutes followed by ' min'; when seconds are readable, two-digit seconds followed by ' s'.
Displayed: 6 h 56 min
